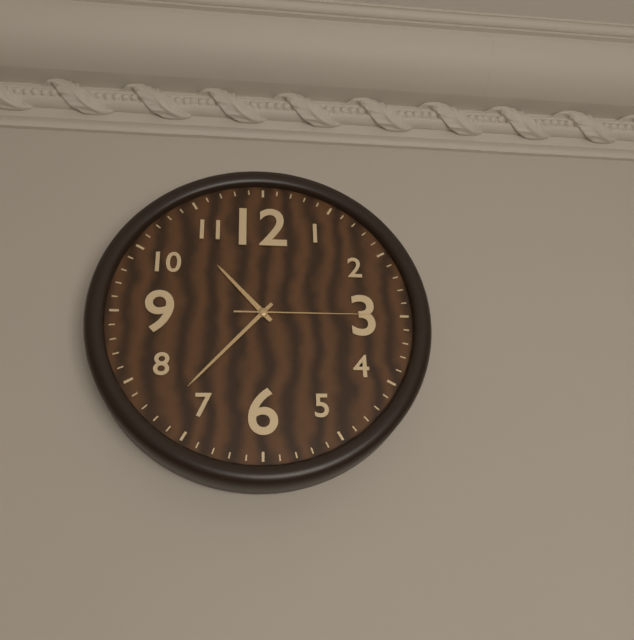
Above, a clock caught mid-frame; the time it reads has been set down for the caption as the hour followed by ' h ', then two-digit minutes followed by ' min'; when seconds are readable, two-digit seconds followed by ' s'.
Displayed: 10 h 37 min 15 s
